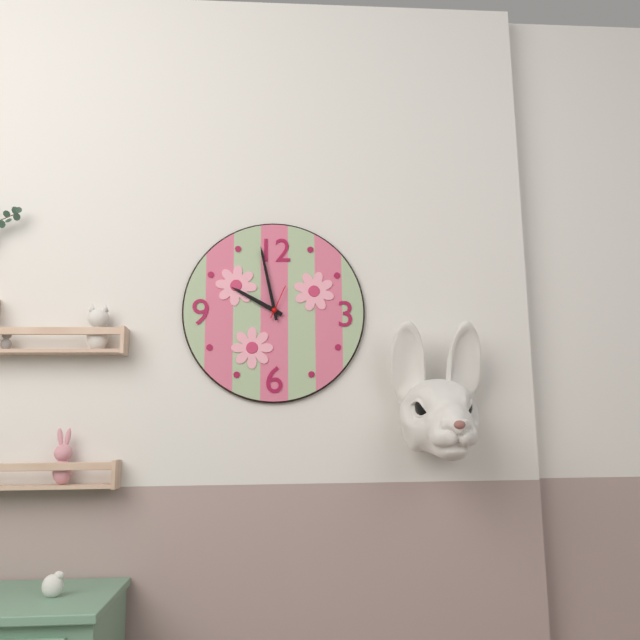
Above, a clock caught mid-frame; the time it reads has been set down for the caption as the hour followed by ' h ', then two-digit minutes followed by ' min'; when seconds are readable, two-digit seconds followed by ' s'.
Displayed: 9 h 58 min
